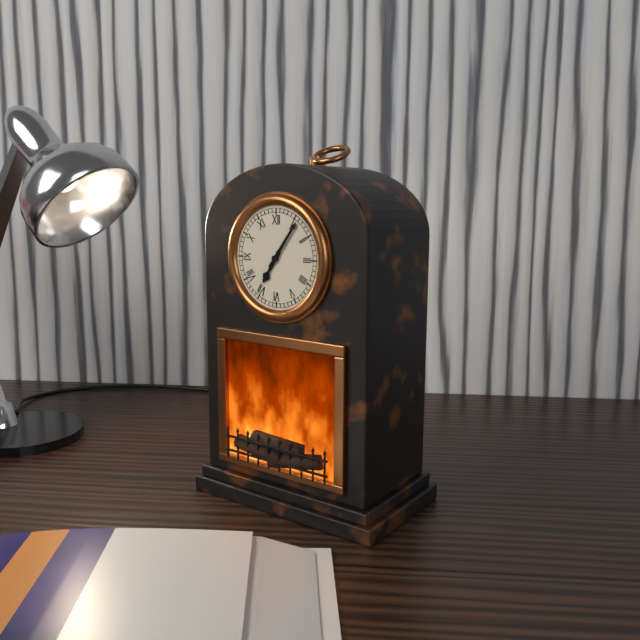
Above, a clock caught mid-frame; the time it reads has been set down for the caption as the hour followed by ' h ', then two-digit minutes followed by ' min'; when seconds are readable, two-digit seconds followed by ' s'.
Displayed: 7 h 06 min
